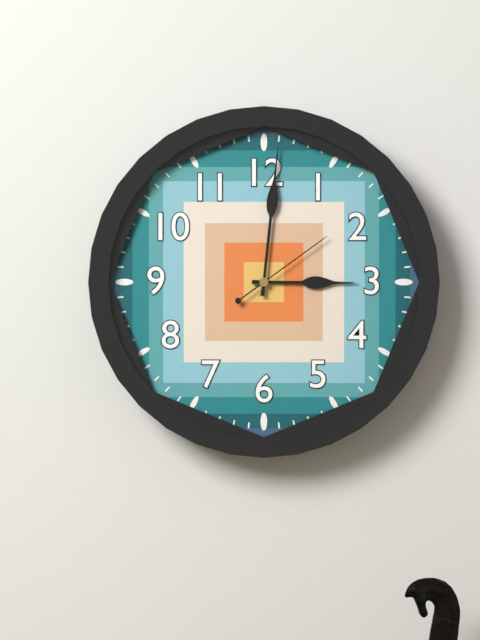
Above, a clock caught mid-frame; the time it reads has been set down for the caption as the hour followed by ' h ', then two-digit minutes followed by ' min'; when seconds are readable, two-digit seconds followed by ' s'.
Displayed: 3 h 01 min 09 s
